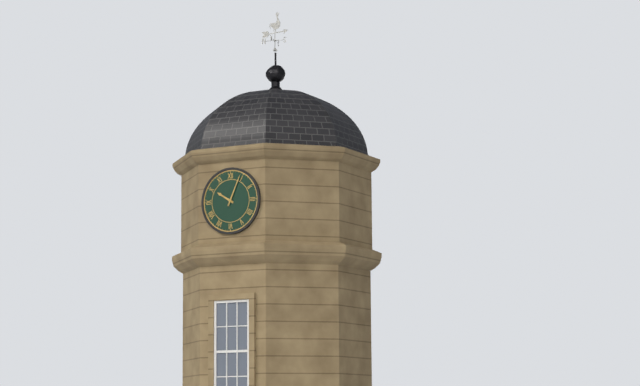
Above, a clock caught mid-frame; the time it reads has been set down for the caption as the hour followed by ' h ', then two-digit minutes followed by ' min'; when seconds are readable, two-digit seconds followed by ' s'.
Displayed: 10 h 04 min
